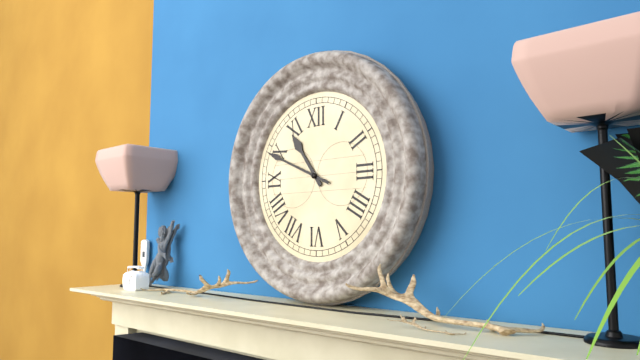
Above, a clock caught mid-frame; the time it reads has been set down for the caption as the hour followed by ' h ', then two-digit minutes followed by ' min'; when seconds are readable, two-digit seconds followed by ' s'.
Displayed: 10 h 49 min
